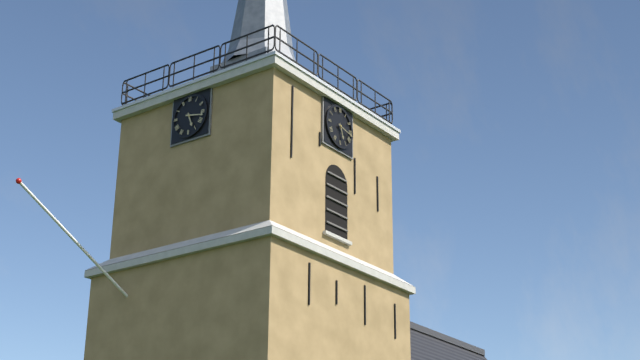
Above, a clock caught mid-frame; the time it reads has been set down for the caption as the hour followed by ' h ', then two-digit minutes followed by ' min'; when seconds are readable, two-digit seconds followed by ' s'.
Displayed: 5 h 17 min
